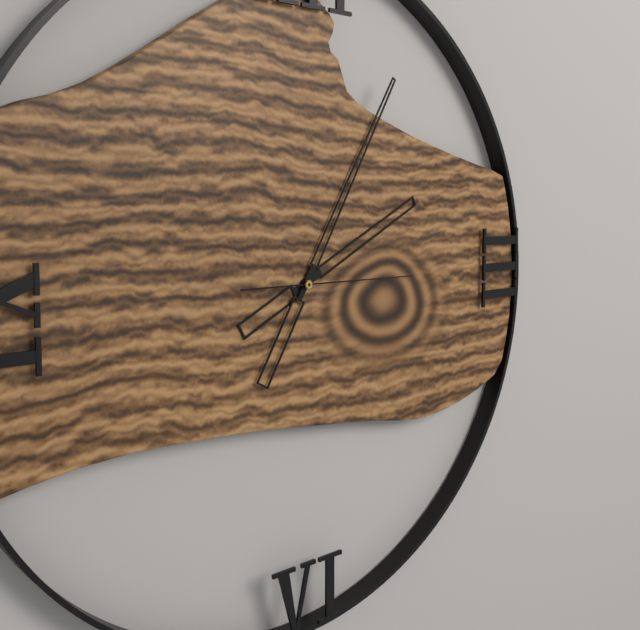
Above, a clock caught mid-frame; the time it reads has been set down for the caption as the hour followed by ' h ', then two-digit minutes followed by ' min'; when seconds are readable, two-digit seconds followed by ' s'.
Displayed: 2 h 05 min 15 s
